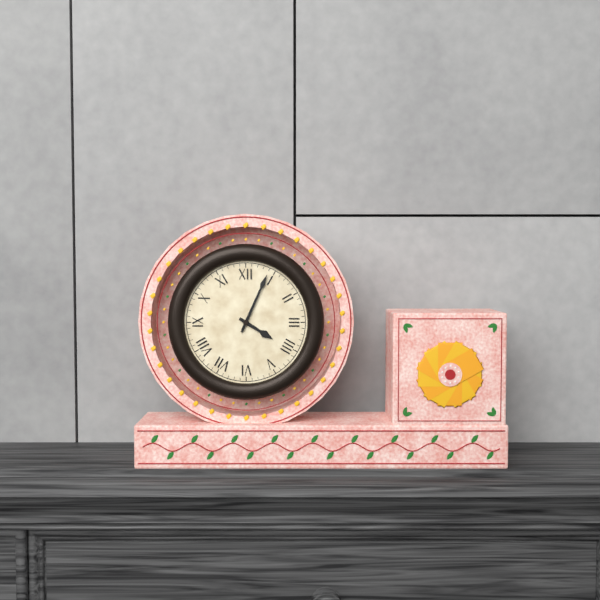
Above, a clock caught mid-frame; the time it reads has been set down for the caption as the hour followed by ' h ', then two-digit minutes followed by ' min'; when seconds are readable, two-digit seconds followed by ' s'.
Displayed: 4 h 04 min
